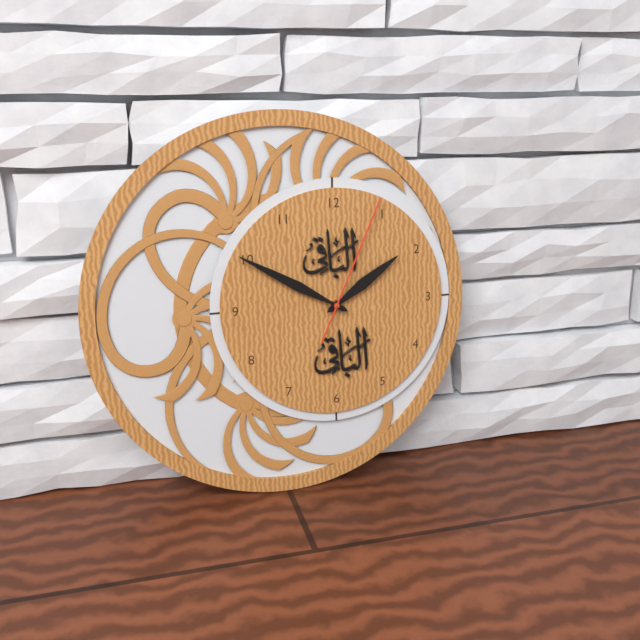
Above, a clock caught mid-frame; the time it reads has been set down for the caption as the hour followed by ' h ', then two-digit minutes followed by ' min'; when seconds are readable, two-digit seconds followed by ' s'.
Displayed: 1 h 50 min 04 s
